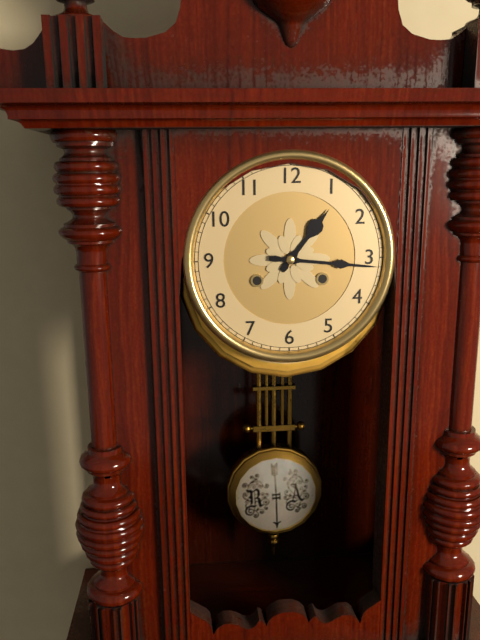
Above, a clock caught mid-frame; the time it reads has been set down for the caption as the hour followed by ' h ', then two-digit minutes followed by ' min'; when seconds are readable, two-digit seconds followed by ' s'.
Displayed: 1 h 16 min
